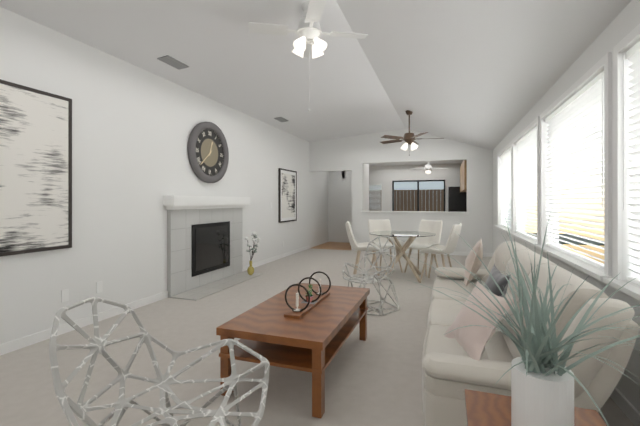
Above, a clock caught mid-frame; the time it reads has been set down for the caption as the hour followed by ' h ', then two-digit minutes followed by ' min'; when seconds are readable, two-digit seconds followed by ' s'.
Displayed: 12 h 38 min
